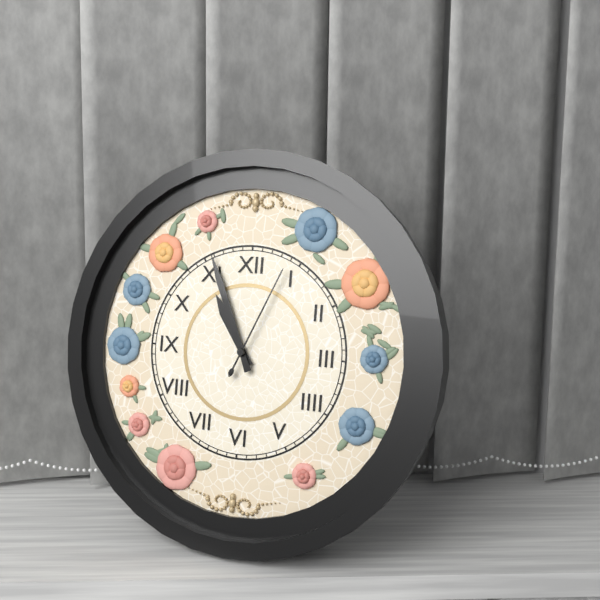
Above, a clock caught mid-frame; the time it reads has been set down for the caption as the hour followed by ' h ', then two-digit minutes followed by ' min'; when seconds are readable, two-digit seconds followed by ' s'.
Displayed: 10 h 56 min 04 s
